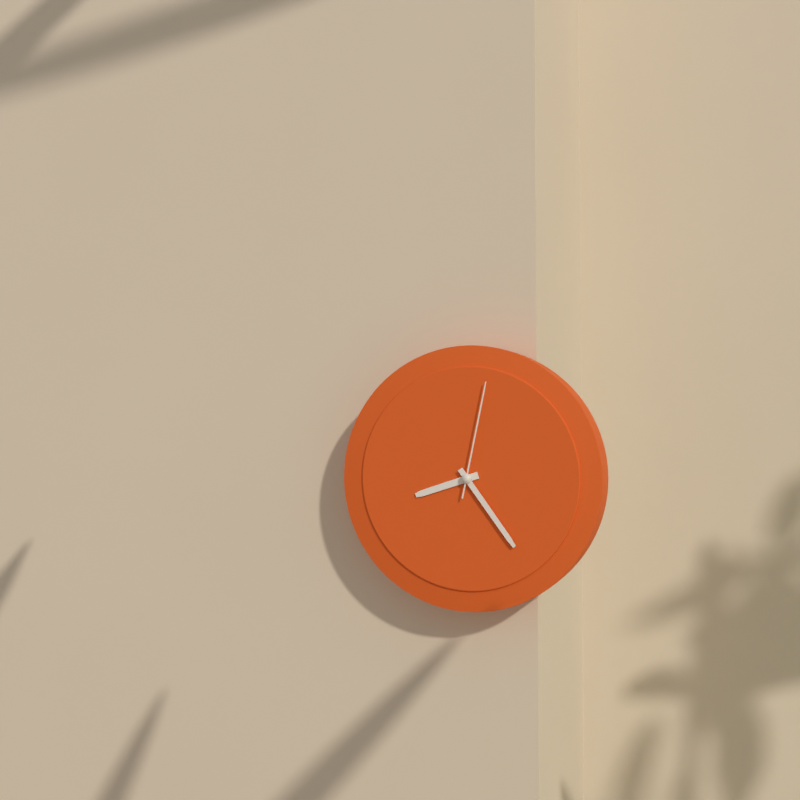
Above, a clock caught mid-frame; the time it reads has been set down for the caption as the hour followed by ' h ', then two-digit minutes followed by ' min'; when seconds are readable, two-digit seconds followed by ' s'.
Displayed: 8 h 24 min 02 s
